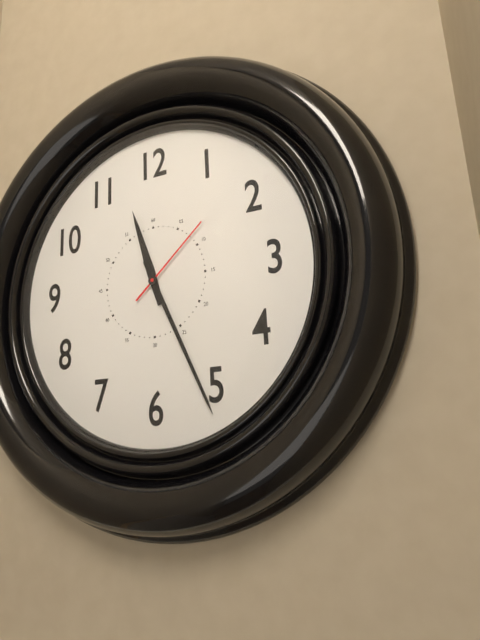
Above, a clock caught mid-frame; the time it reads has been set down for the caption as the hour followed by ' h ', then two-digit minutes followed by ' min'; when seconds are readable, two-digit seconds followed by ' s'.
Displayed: 11 h 26 min 08 s
